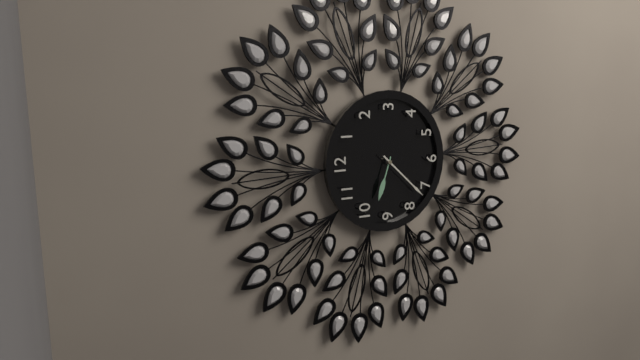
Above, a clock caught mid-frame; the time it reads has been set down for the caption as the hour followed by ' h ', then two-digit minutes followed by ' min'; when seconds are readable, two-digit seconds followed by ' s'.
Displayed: 9 h 37 min
